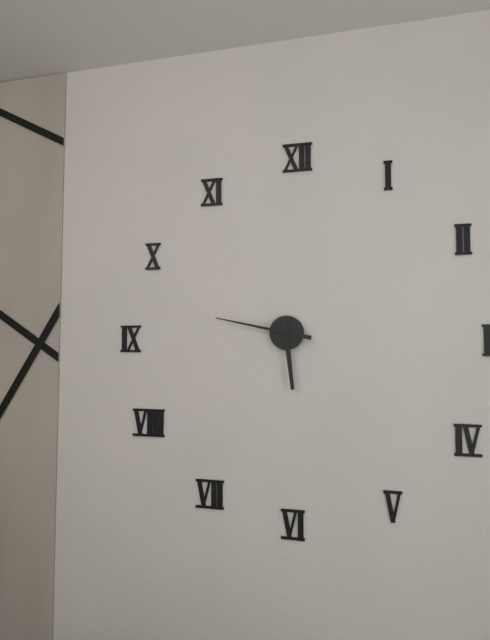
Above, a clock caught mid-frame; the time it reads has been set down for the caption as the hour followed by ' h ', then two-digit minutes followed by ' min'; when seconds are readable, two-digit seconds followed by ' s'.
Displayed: 5 h 47 min
